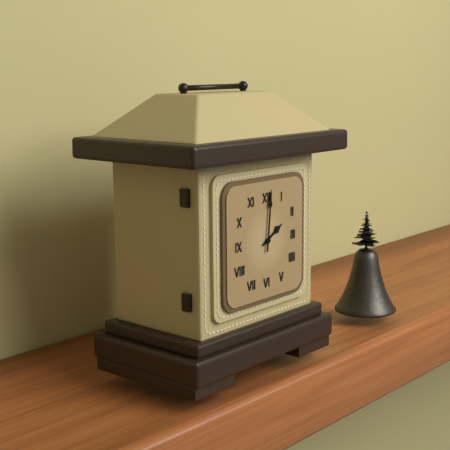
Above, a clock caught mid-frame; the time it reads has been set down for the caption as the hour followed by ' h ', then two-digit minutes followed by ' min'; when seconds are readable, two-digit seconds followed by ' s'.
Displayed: 2 h 01 min
